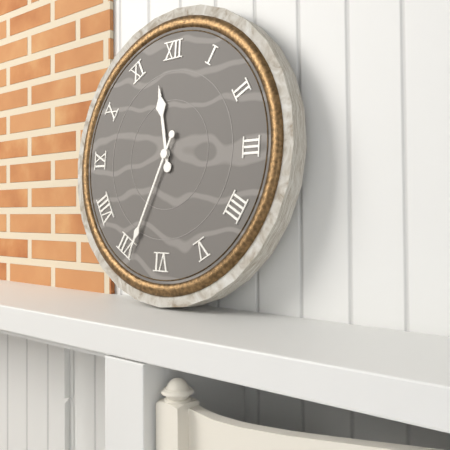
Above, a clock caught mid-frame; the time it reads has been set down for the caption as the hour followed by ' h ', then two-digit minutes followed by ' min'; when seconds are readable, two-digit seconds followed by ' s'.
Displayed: 11 h 34 min
